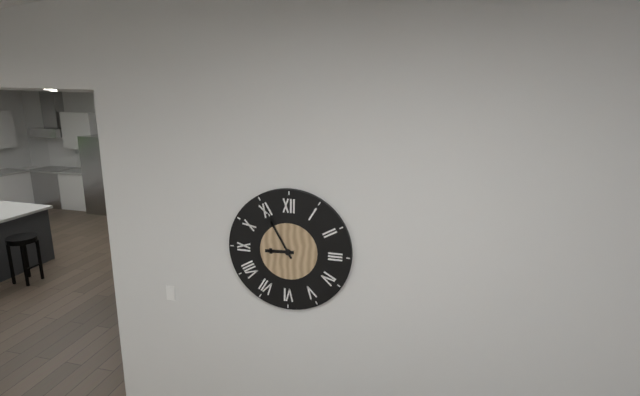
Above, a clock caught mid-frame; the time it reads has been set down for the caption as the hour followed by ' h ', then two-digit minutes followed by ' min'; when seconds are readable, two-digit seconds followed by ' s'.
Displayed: 8 h 55 min
